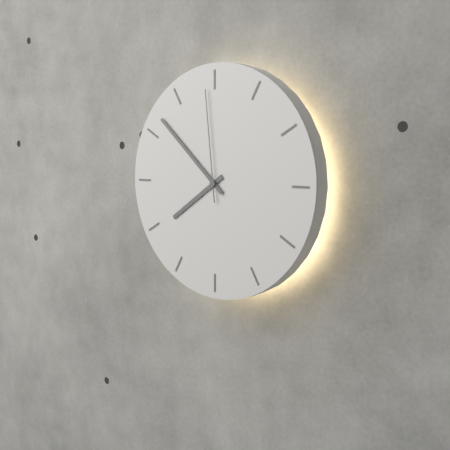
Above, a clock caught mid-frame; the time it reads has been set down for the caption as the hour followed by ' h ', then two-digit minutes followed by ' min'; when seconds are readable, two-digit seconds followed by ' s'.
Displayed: 7 h 52 min 59 s
